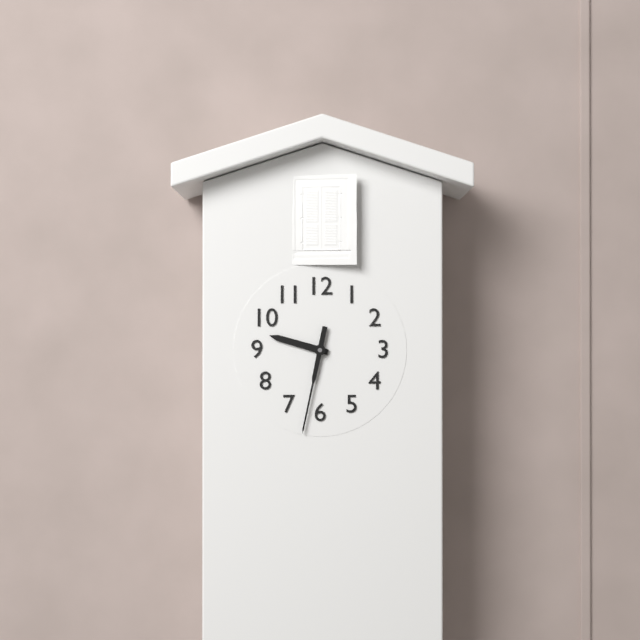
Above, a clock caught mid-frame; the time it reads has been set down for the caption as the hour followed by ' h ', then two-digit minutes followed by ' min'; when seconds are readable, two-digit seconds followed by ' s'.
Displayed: 9 h 32 min
